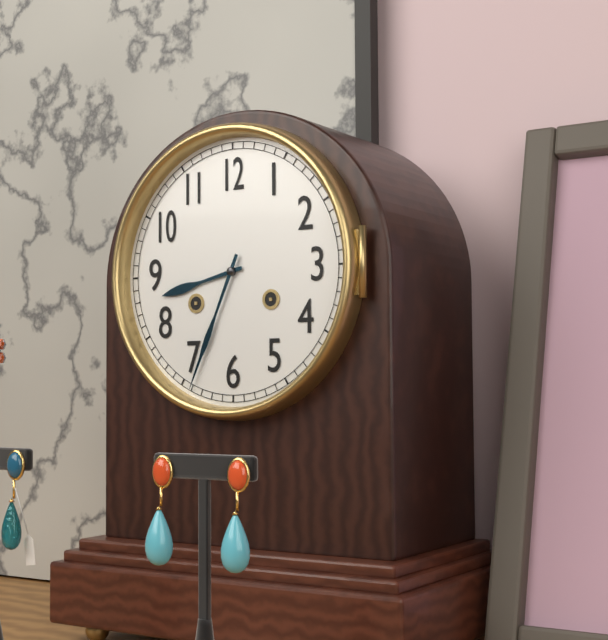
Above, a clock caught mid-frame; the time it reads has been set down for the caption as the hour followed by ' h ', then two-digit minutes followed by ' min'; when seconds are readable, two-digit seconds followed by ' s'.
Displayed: 8 h 34 min
